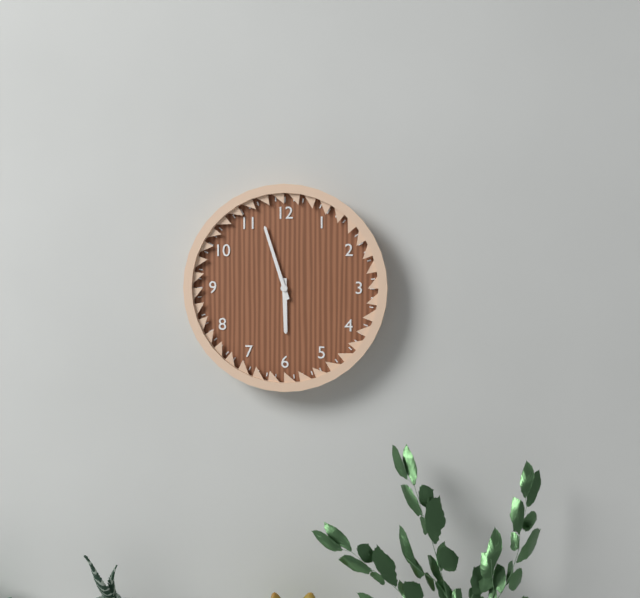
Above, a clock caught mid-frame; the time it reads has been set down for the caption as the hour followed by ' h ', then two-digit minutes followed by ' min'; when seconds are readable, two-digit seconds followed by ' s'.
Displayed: 5 h 57 min
